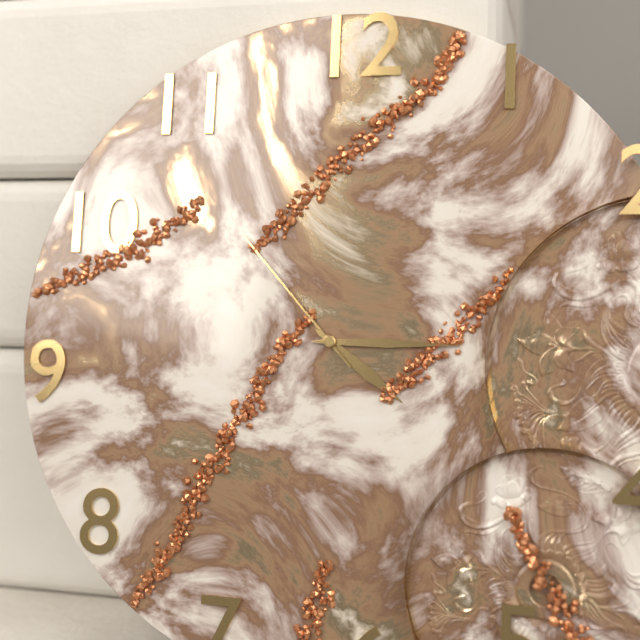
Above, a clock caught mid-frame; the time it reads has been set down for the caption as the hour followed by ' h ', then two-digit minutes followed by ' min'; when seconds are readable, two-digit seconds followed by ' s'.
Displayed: 4 h 15 min 53 s
